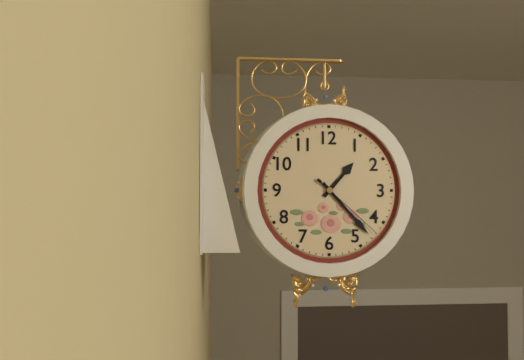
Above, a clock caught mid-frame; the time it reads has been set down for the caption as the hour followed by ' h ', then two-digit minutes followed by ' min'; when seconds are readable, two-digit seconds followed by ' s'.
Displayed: 1 h 23 min 22 s
